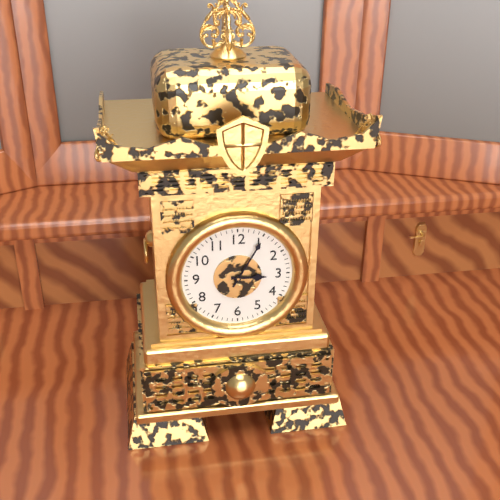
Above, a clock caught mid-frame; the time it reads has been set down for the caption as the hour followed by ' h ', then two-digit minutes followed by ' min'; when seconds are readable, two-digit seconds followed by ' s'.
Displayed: 3 h 05 min
